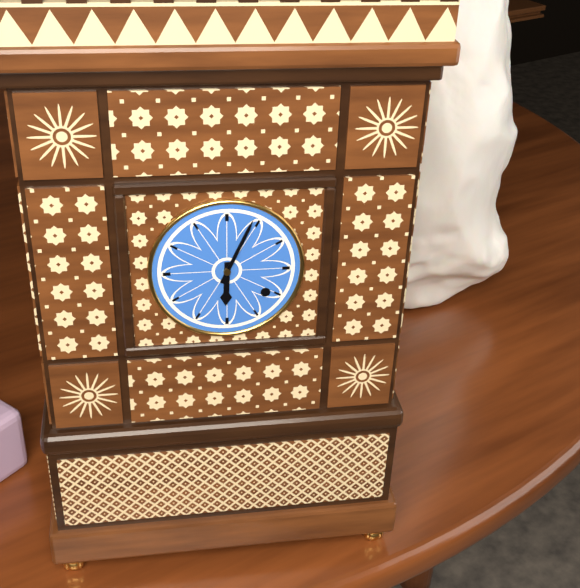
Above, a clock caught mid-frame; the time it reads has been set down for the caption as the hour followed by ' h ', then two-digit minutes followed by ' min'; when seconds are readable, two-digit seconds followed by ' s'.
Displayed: 6 h 04 min
